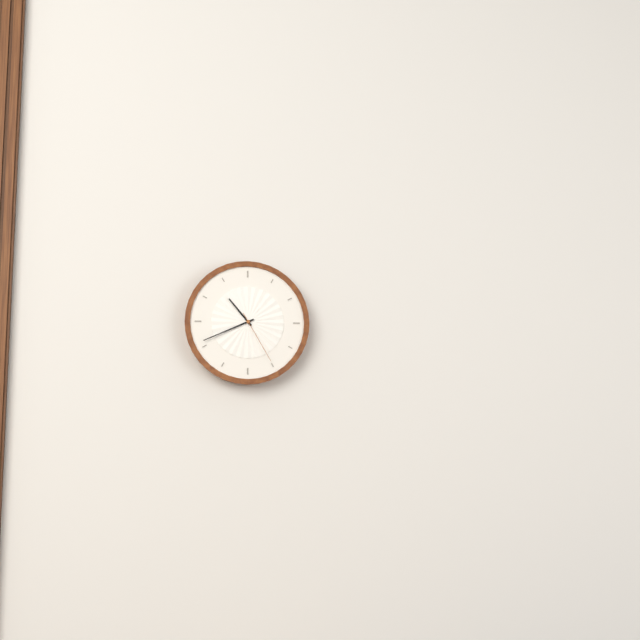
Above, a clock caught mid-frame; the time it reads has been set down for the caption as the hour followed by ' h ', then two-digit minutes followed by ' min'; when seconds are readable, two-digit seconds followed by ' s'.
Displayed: 10 h 41 min 25 s
